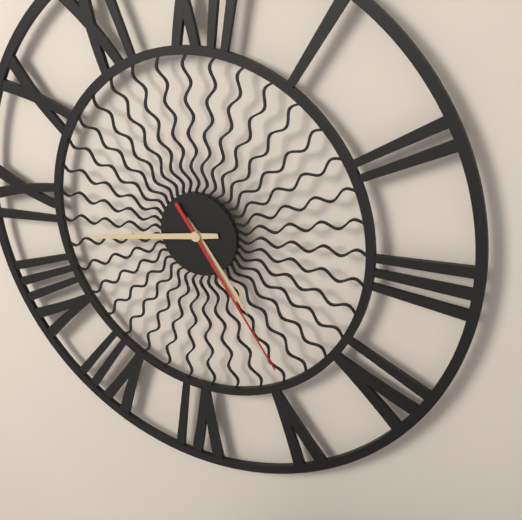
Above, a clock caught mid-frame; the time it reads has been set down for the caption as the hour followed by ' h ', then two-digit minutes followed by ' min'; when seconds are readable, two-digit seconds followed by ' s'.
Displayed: 4 h 43 min 24 s
